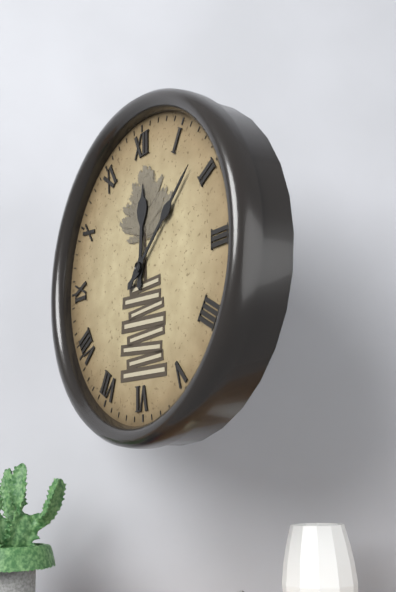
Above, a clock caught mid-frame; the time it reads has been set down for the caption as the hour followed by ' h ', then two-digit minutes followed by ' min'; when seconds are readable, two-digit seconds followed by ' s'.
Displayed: 12 h 08 min
